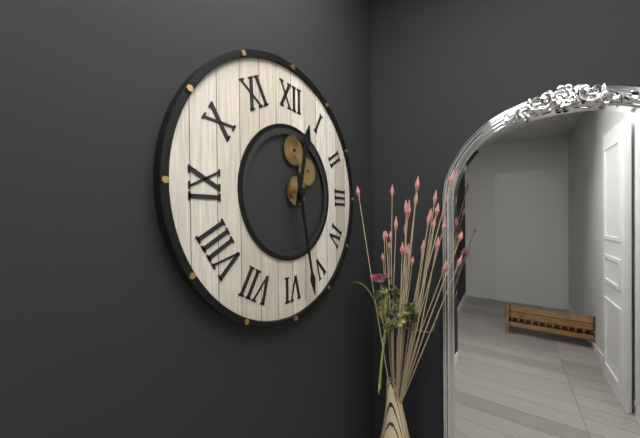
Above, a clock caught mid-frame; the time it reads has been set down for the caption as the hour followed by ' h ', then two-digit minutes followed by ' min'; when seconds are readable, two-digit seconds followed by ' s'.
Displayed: 12 h 28 min
